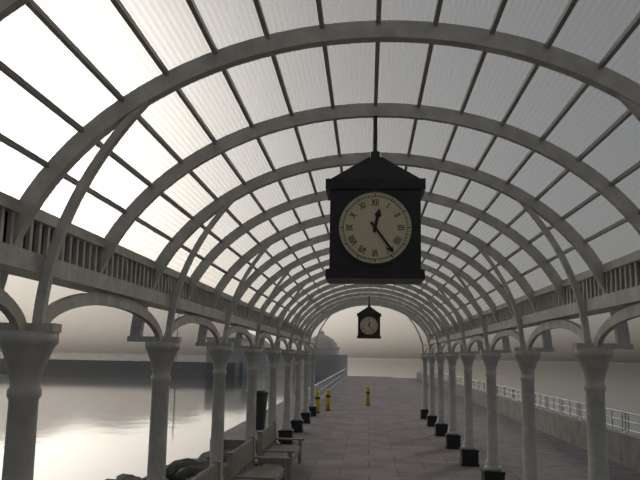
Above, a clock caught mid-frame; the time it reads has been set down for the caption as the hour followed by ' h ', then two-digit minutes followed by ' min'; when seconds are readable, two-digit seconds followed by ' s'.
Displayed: 12 h 24 min
